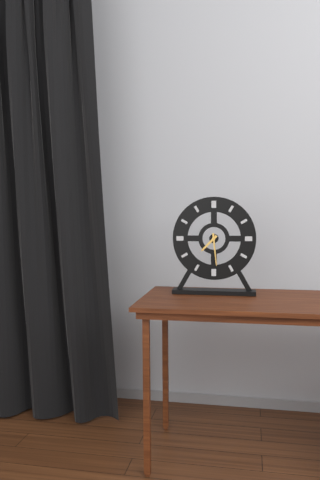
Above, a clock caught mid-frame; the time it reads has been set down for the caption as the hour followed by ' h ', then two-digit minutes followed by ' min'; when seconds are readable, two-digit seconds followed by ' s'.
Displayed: 7 h 29 min
